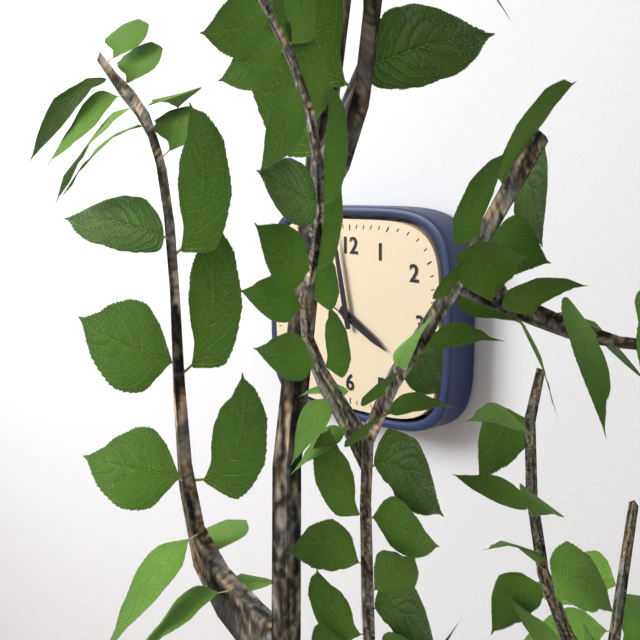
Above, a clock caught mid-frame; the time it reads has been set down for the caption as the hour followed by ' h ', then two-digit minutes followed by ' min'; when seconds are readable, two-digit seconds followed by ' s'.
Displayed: 3 h 58 min
